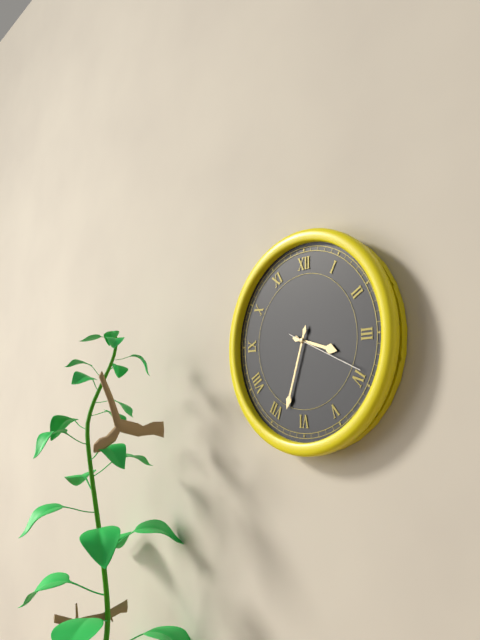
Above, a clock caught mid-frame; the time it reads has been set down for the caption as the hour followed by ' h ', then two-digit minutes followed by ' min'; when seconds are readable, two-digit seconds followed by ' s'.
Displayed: 3 h 33 min 19 s
